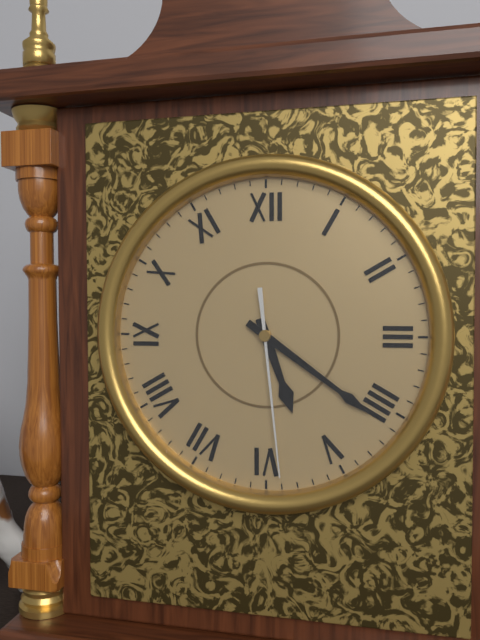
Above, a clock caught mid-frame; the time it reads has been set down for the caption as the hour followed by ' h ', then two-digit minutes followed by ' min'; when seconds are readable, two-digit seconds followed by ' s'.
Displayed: 5 h 21 min 29 s
